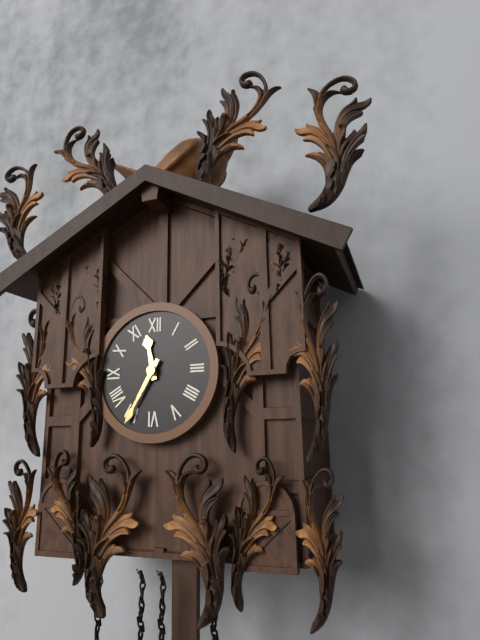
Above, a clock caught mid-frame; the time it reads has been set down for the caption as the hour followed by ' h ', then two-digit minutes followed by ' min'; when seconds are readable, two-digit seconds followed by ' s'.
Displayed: 11 h 35 min
